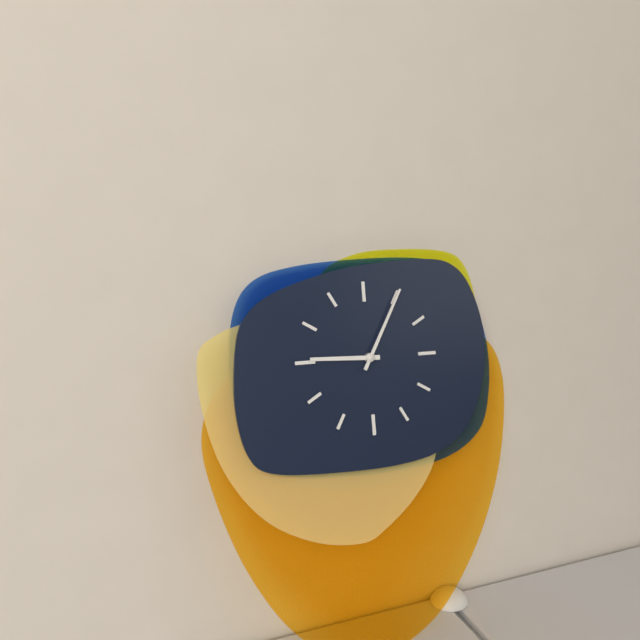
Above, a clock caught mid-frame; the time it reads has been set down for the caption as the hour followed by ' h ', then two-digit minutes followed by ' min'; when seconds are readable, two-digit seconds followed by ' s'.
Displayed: 9 h 05 min
